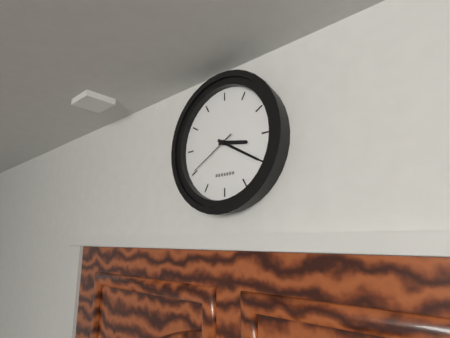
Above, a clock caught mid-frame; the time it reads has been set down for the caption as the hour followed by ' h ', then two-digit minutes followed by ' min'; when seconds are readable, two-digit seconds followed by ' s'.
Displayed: 3 h 20 min 40 s
